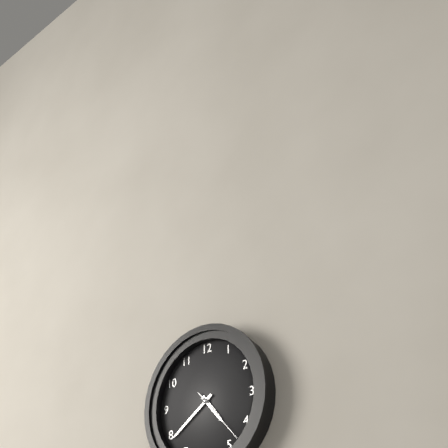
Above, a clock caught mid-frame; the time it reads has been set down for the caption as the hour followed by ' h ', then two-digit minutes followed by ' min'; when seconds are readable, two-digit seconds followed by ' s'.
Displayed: 4 h 39 min 23 s
